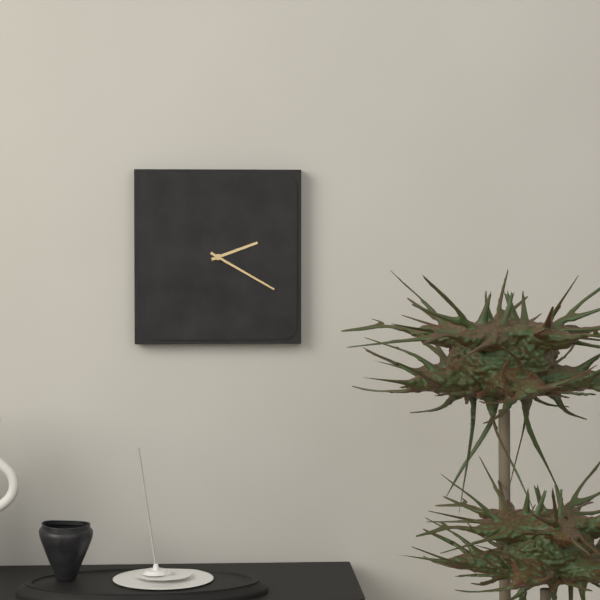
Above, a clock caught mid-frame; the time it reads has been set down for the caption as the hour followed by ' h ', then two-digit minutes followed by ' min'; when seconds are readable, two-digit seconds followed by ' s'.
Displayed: 2 h 20 min
